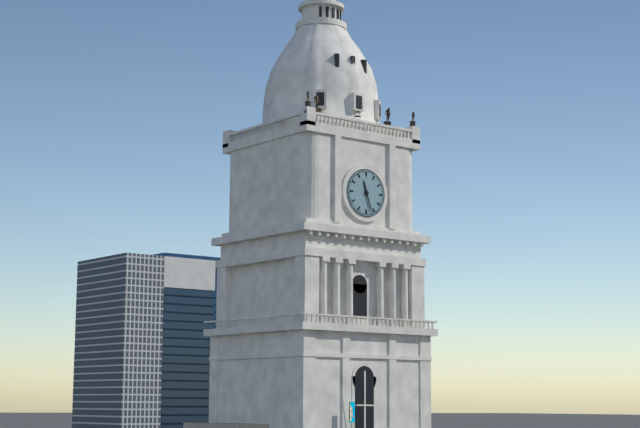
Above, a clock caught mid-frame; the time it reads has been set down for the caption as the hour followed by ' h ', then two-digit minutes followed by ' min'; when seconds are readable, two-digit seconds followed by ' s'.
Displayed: 11 h 27 min
